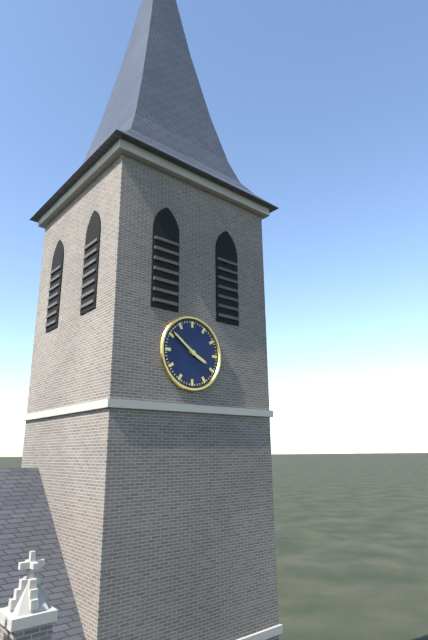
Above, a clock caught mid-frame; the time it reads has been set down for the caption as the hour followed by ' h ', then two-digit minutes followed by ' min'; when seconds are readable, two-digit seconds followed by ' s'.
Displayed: 3 h 51 min
